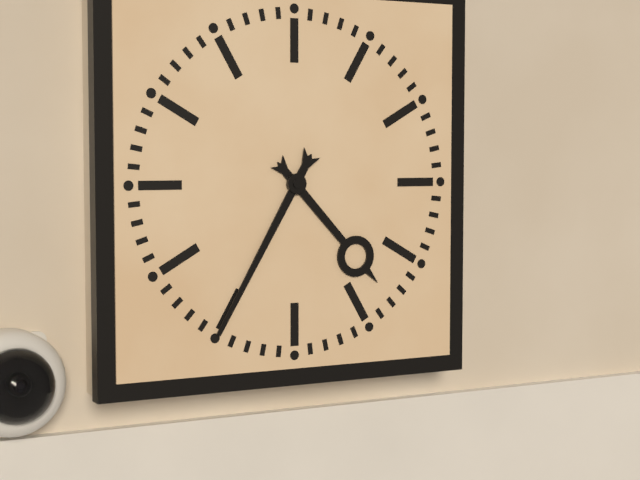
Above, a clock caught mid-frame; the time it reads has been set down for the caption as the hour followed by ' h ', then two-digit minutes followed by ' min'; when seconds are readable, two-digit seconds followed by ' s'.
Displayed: 4 h 35 min
